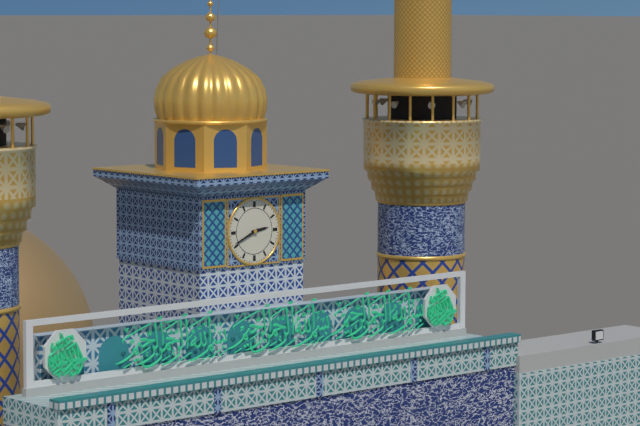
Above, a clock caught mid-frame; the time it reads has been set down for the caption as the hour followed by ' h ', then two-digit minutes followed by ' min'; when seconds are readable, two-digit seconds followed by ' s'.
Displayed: 2 h 41 min
